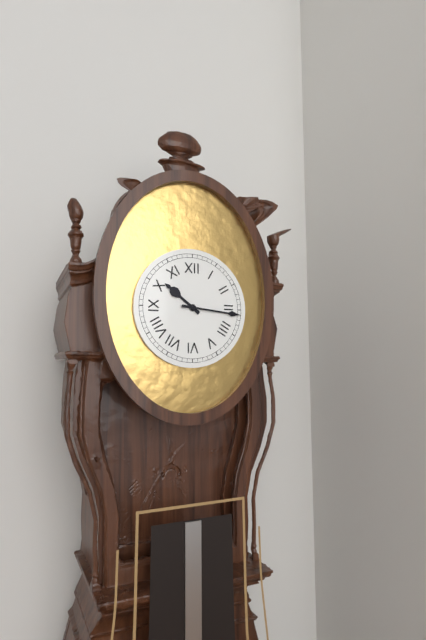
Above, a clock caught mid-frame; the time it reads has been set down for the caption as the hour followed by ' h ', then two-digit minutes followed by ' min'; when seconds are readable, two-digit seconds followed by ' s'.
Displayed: 10 h 16 min
